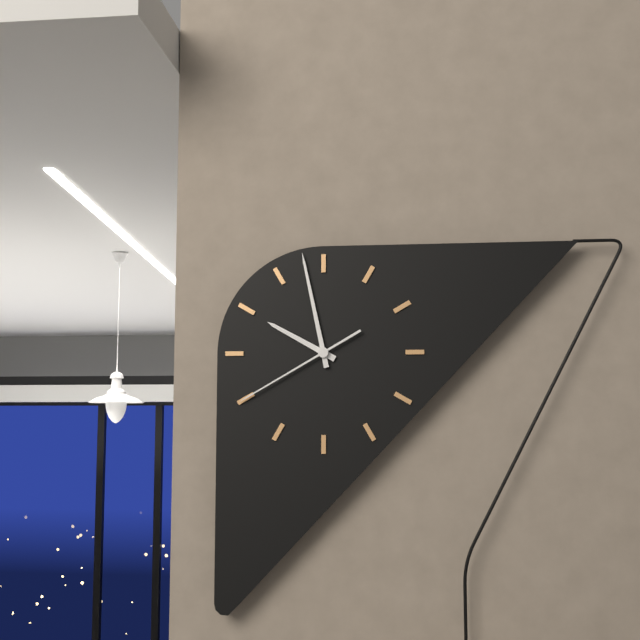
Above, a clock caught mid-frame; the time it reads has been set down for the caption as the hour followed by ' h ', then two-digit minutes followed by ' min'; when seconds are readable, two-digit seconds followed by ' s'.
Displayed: 9 h 58 min 40 s
